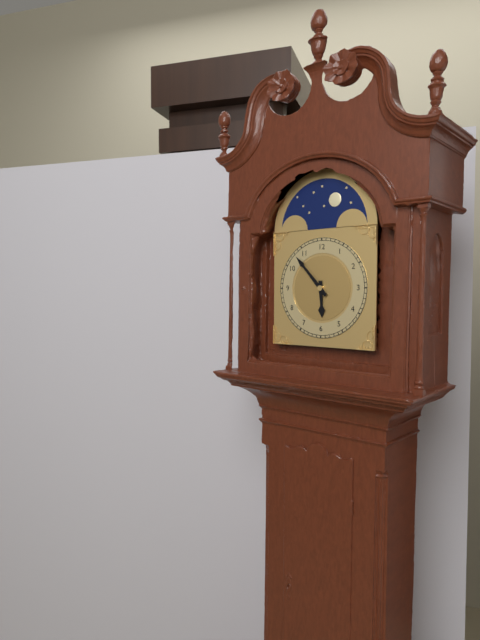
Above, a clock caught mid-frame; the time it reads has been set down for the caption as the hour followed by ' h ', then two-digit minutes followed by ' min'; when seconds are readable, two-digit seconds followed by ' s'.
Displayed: 5 h 53 min
